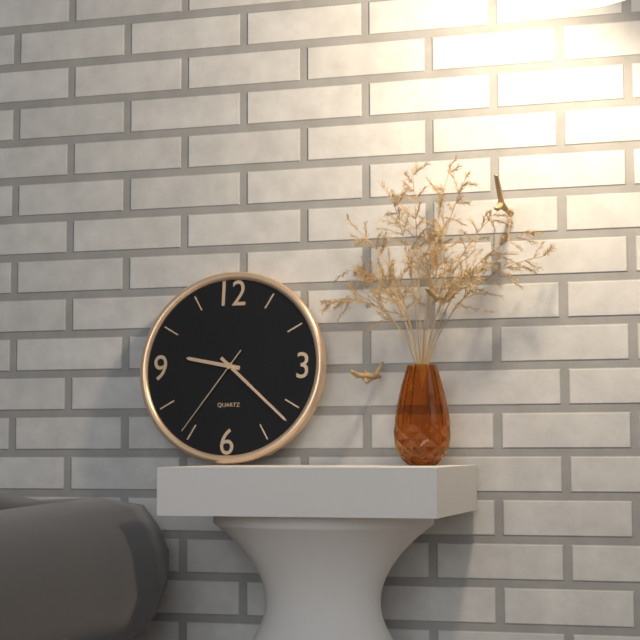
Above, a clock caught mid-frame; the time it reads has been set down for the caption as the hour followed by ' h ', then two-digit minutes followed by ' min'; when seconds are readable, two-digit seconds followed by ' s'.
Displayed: 9 h 22 min 36 s
